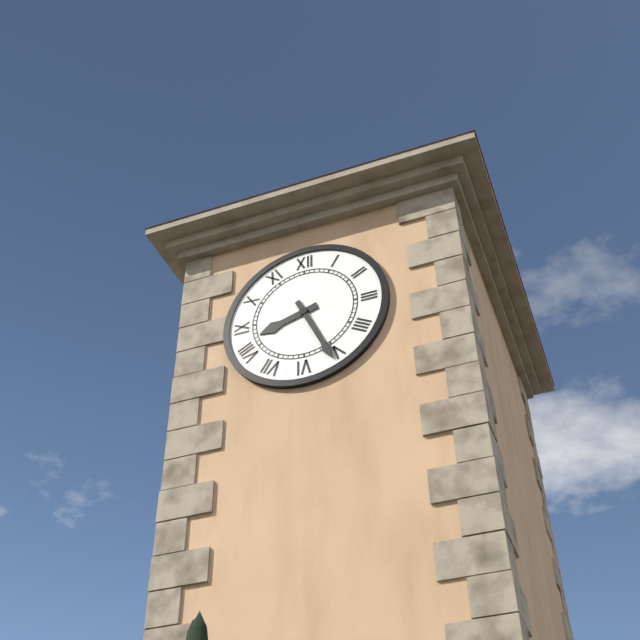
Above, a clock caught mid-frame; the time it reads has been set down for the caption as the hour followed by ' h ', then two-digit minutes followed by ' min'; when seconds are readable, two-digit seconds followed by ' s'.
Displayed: 8 h 26 min
